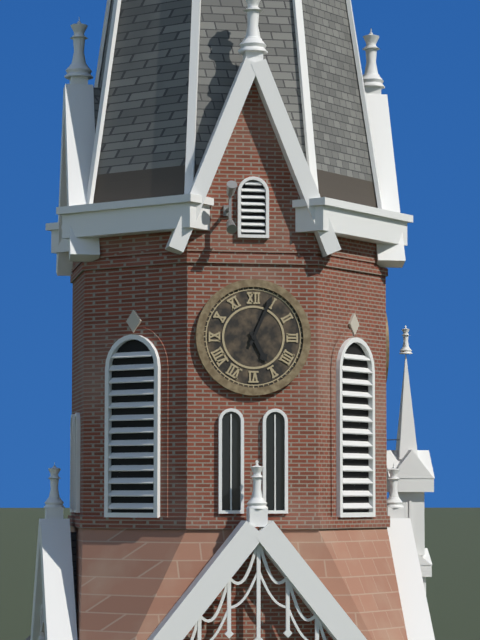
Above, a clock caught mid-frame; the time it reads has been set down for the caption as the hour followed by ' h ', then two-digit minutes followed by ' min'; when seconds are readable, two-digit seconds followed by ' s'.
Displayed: 5 h 04 min
